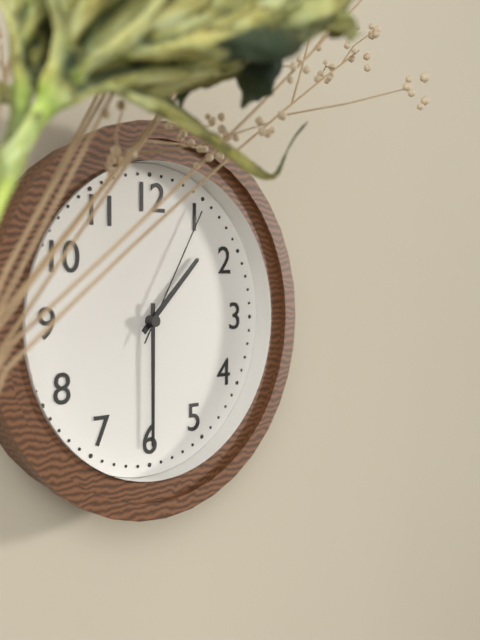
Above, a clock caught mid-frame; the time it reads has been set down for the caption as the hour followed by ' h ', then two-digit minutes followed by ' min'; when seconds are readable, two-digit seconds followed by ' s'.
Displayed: 1 h 30 min 05 s
